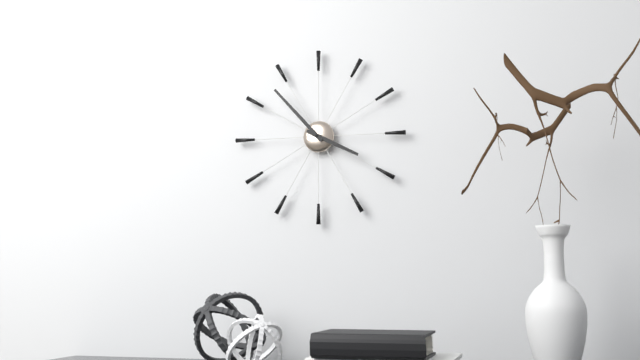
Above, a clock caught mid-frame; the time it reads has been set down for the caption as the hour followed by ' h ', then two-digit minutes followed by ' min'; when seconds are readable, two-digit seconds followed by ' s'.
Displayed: 3 h 53 min
